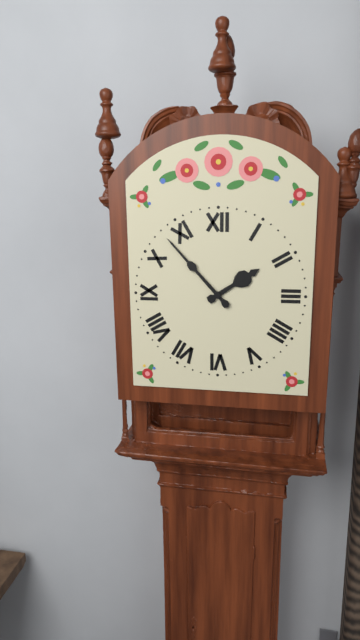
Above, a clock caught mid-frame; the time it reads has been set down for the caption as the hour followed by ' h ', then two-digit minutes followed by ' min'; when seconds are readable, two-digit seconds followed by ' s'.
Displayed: 1 h 53 min
